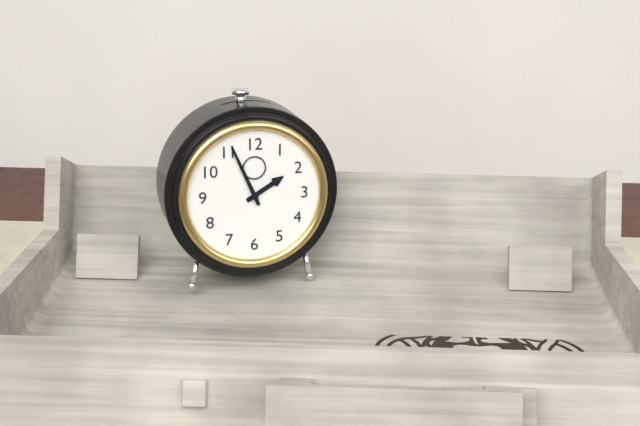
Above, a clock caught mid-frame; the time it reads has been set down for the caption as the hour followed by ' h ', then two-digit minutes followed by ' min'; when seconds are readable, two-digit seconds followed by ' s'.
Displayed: 1 h 56 min
